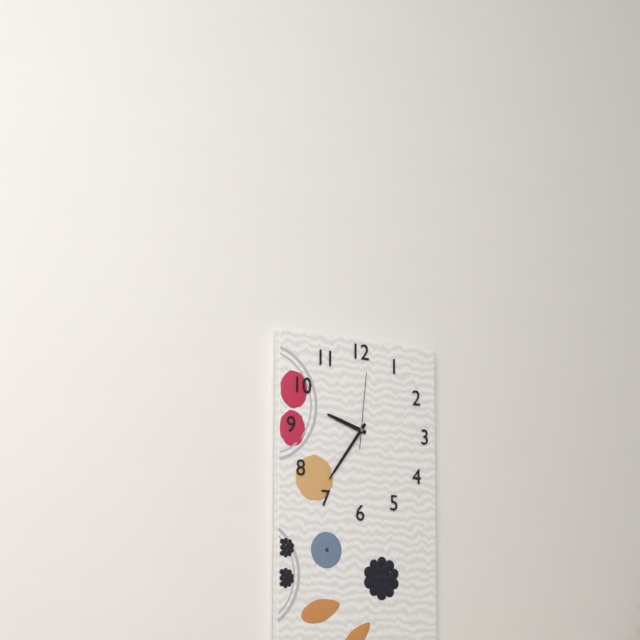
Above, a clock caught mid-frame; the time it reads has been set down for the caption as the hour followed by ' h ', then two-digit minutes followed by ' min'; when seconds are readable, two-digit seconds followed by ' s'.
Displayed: 9 h 36 min 01 s
